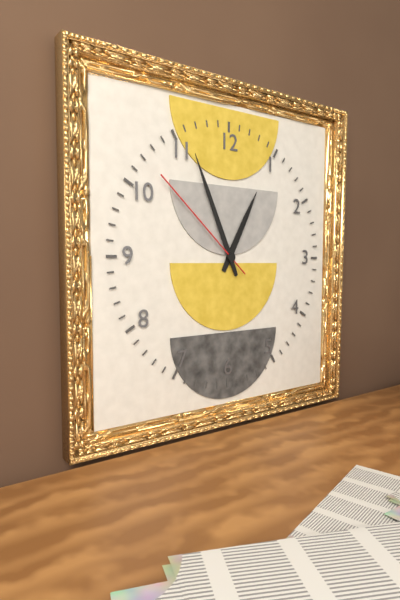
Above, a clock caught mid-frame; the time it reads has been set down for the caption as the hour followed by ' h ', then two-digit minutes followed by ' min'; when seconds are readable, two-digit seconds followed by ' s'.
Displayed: 12 h 56 min 52 s
